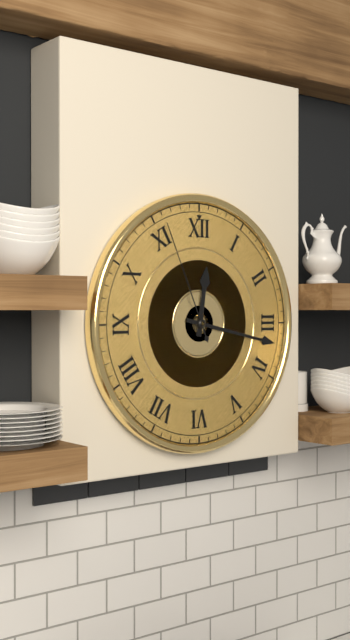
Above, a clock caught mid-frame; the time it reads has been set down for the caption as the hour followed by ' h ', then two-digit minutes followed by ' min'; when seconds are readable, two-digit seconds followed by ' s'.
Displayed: 12 h 17 min 56 s
